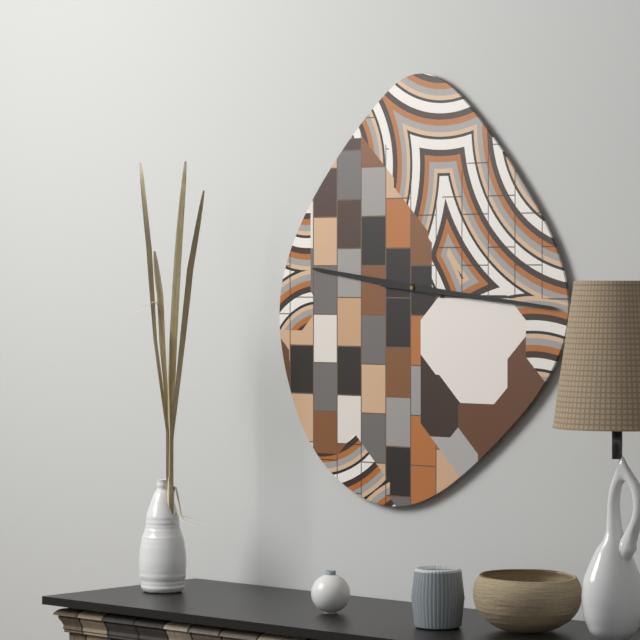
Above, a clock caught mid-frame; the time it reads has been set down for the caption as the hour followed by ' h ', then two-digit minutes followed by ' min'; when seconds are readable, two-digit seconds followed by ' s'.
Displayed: 9 h 16 min
